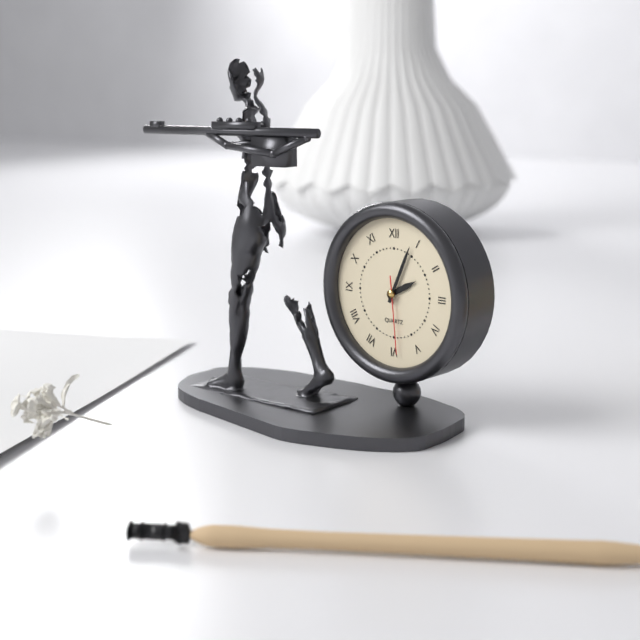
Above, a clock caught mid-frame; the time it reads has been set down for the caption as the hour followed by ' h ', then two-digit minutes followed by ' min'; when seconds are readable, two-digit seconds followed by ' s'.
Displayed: 2 h 04 min 29 s
